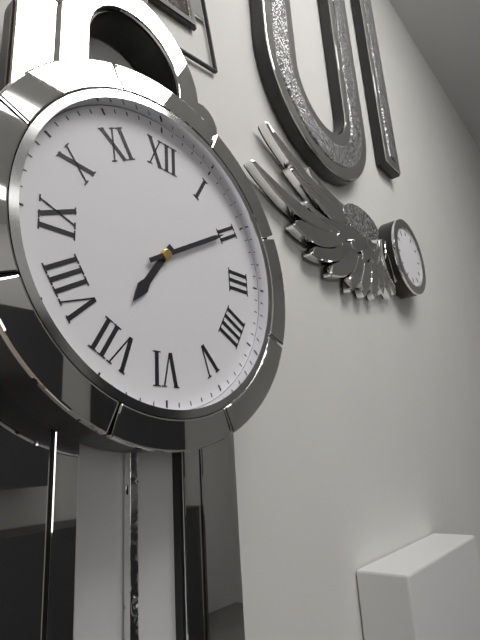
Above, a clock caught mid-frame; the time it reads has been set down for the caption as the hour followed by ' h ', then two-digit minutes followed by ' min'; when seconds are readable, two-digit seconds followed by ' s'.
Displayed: 7 h 10 min
